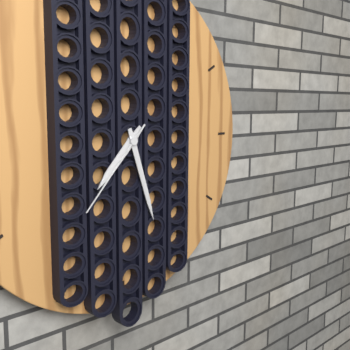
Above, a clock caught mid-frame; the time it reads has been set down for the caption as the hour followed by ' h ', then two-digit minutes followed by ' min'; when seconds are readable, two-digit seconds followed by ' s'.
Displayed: 7 h 27 min 37 s
